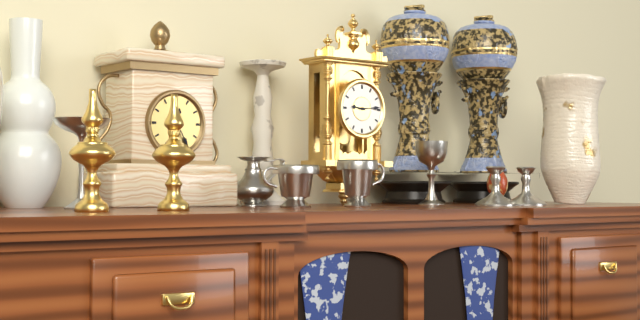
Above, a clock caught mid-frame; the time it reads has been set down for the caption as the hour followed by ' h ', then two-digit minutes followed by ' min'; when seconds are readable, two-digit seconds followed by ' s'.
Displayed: 9 h 14 min
